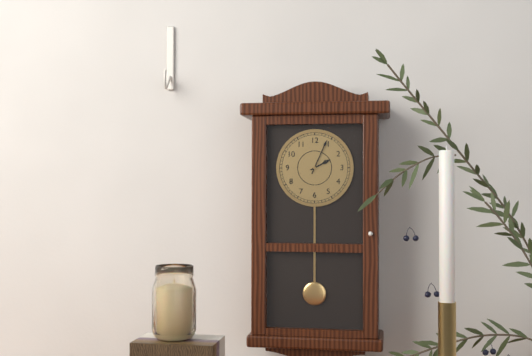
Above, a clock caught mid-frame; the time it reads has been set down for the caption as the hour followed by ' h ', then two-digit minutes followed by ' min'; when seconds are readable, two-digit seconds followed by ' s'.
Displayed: 2 h 04 min
